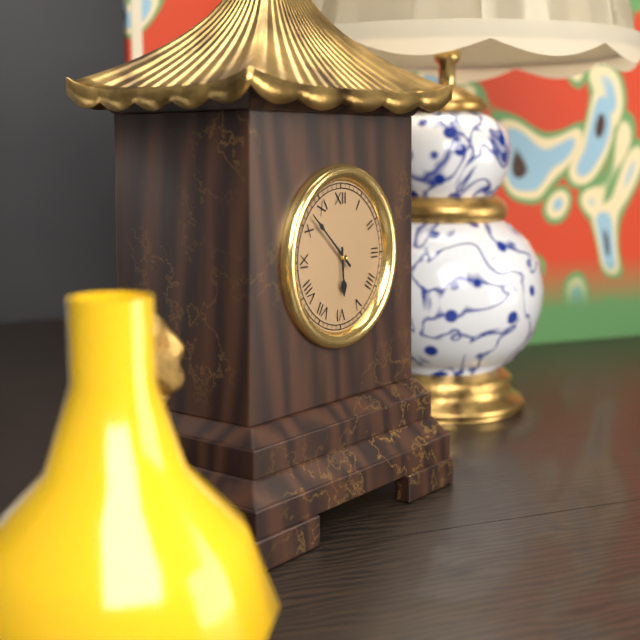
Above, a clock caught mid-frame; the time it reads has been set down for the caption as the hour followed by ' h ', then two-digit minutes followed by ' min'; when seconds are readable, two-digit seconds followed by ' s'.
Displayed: 5 h 52 min
